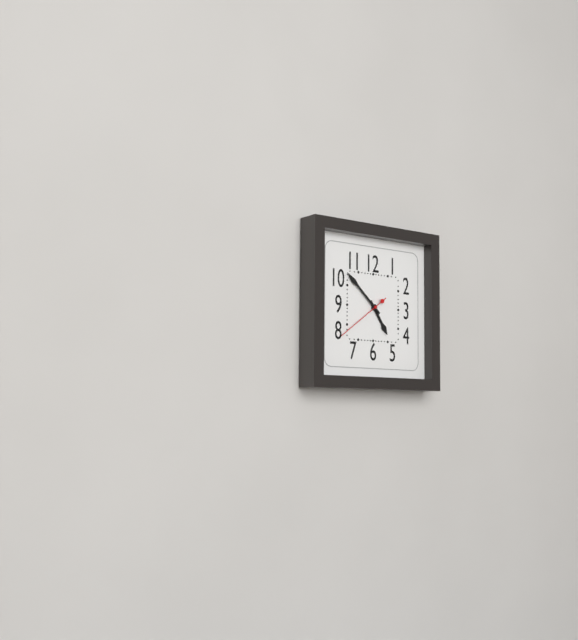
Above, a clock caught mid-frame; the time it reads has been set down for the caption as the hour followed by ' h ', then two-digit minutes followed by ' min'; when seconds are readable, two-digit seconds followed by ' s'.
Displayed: 4 h 52 min 39 s
